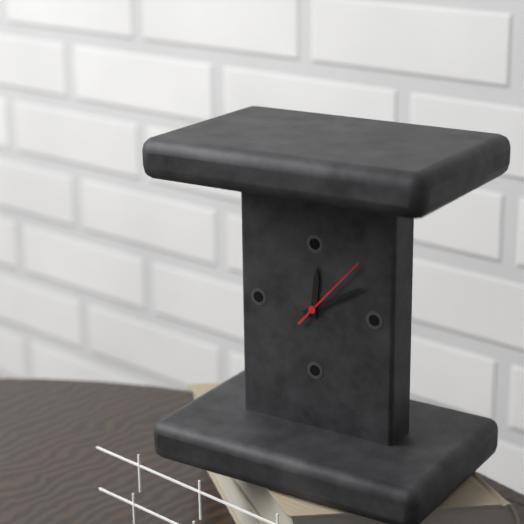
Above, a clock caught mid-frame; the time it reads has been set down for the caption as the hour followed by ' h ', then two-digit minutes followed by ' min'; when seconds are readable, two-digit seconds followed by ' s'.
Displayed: 12 h 10 min 07 s
